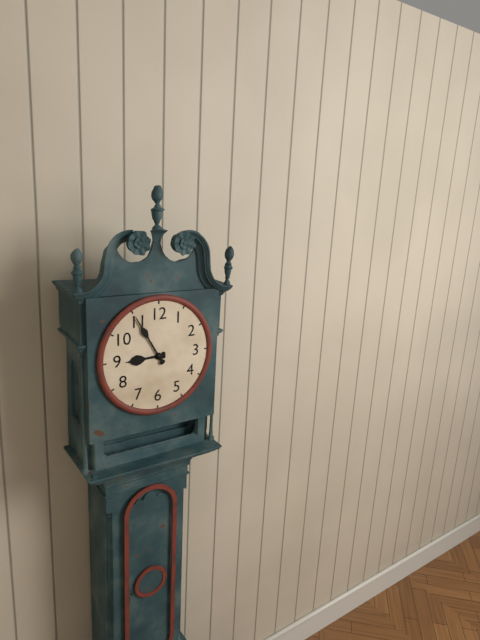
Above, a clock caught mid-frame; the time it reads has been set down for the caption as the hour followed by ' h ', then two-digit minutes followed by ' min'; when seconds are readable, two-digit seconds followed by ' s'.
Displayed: 8 h 55 min
